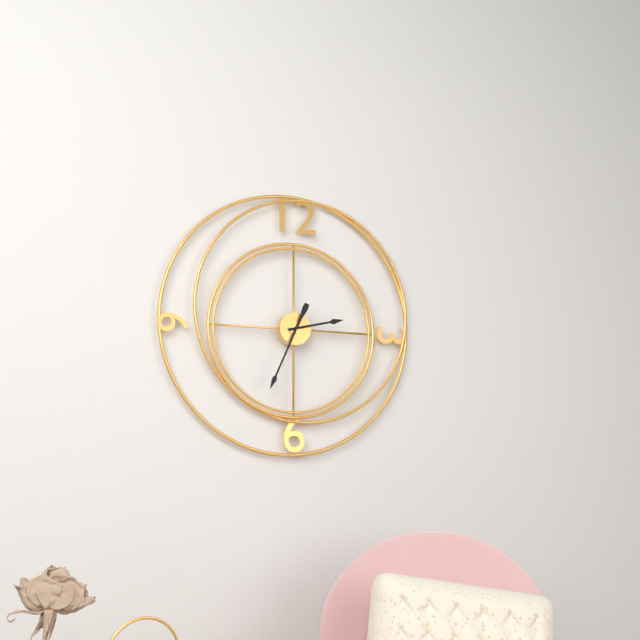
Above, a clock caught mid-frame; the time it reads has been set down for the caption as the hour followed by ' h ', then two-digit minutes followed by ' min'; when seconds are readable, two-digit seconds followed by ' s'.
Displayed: 2 h 34 min
